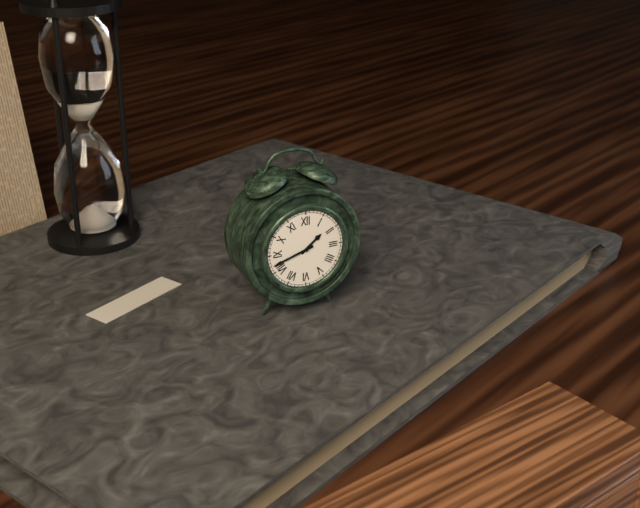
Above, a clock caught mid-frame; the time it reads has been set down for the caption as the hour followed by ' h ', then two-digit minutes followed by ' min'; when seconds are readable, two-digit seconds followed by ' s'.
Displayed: 1 h 42 min
